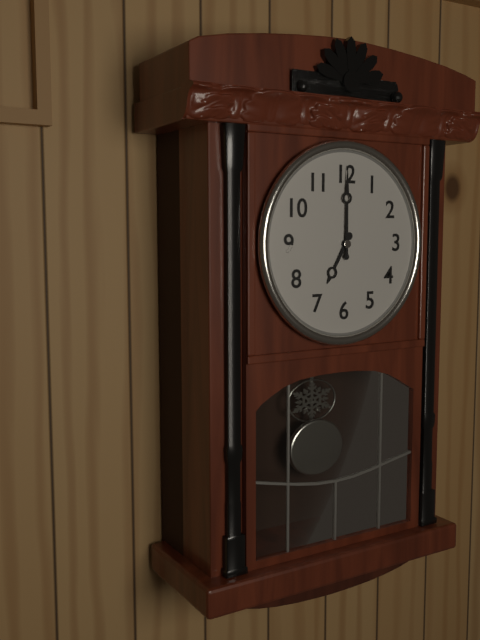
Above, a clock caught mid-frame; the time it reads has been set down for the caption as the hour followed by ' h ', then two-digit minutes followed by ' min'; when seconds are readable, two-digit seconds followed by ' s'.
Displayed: 7 h 00 min
